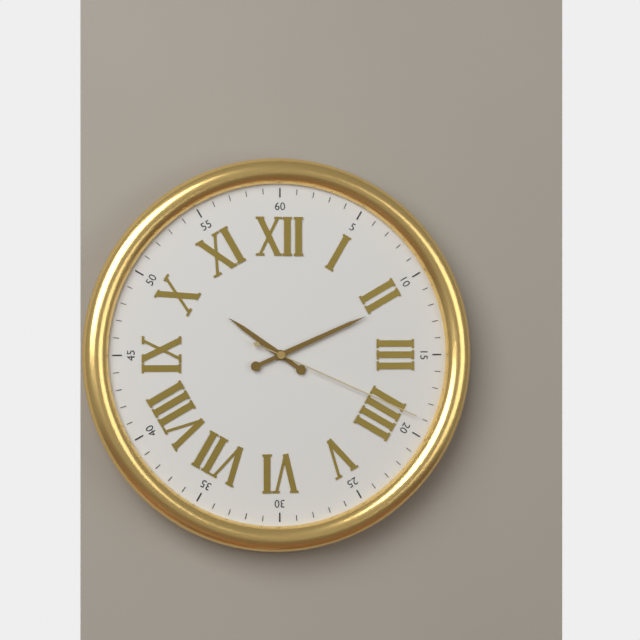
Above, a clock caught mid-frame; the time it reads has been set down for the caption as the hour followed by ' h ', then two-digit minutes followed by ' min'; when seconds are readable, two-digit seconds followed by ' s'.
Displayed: 10 h 11 min 19 s
